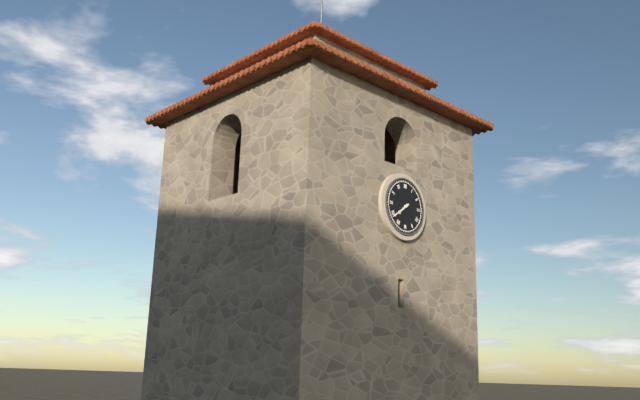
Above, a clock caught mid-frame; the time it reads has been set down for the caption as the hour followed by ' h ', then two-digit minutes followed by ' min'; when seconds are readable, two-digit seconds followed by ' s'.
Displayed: 7 h 39 min
